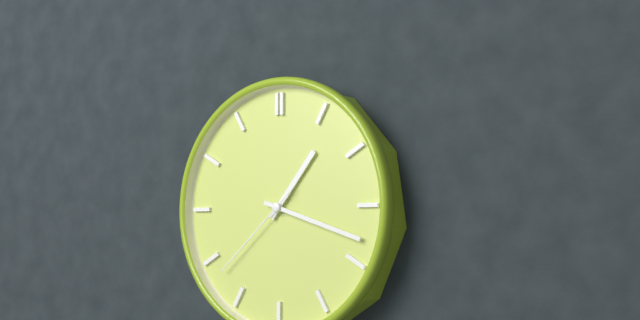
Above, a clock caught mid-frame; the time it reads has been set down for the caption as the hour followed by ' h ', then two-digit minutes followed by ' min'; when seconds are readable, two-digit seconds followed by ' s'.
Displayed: 1 h 18 min 38 s
